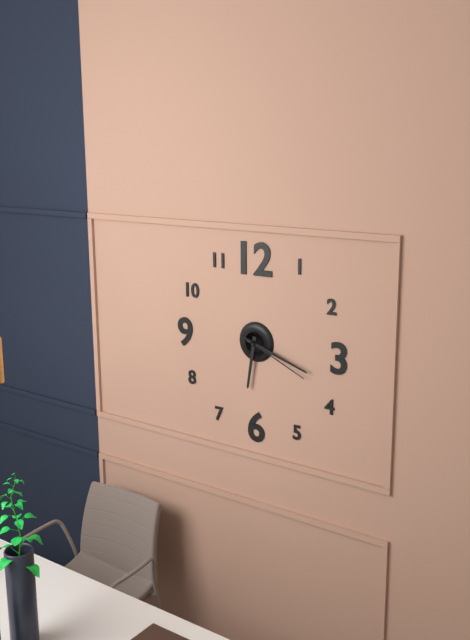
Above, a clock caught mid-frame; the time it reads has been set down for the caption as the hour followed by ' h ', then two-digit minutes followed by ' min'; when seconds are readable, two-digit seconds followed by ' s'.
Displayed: 6 h 18 min 19 s
